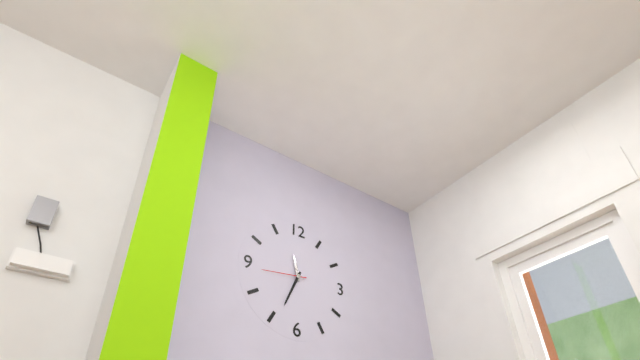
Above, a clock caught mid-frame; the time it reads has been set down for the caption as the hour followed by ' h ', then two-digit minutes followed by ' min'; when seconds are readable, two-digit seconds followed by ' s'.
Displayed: 11 h 34 min
